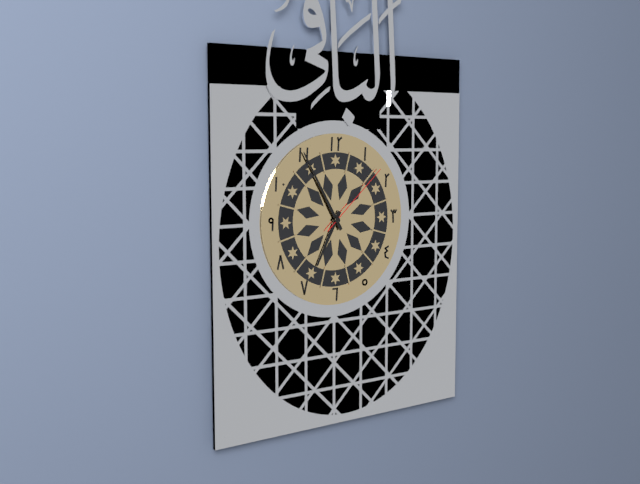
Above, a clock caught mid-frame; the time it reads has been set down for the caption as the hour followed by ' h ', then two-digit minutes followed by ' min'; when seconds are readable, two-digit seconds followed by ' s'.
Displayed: 6 h 55 min 08 s
